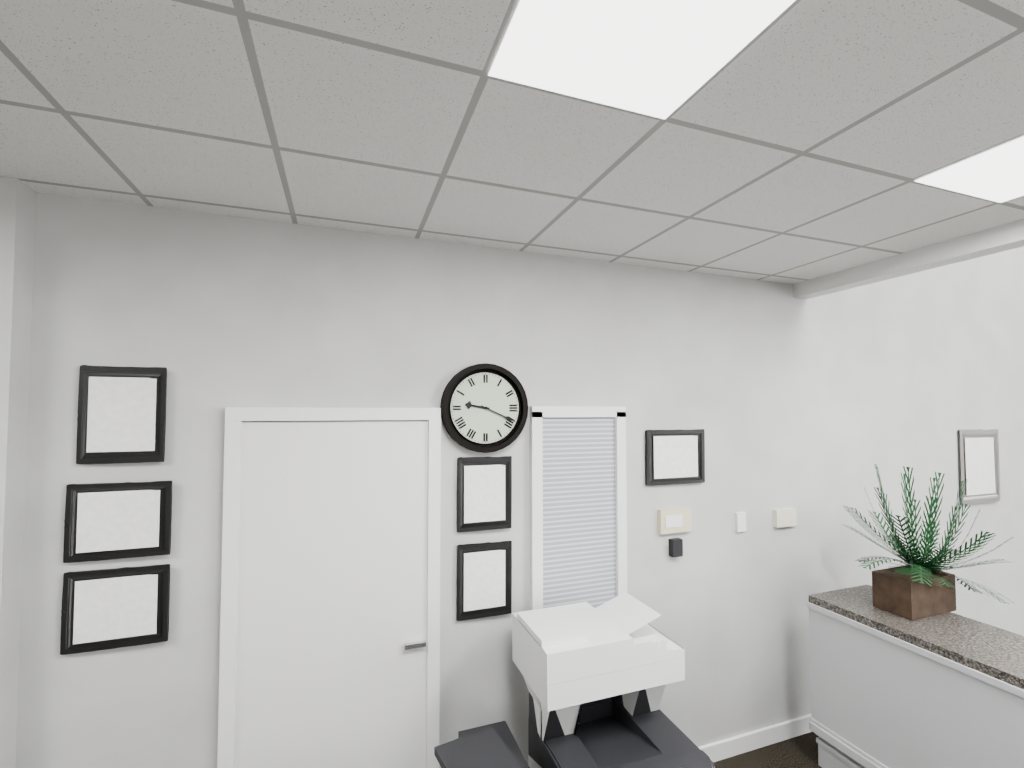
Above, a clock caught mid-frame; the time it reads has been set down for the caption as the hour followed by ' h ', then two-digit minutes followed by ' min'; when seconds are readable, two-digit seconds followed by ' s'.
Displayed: 9 h 19 min
